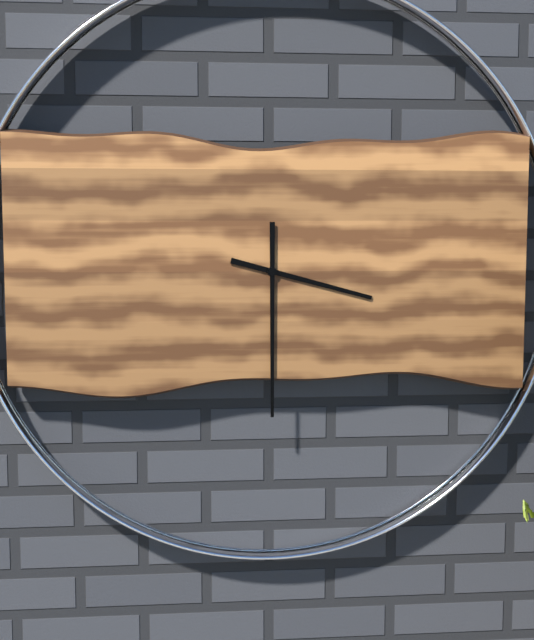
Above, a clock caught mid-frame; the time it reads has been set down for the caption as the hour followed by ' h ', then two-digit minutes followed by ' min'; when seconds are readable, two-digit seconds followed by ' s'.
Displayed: 3 h 30 min
